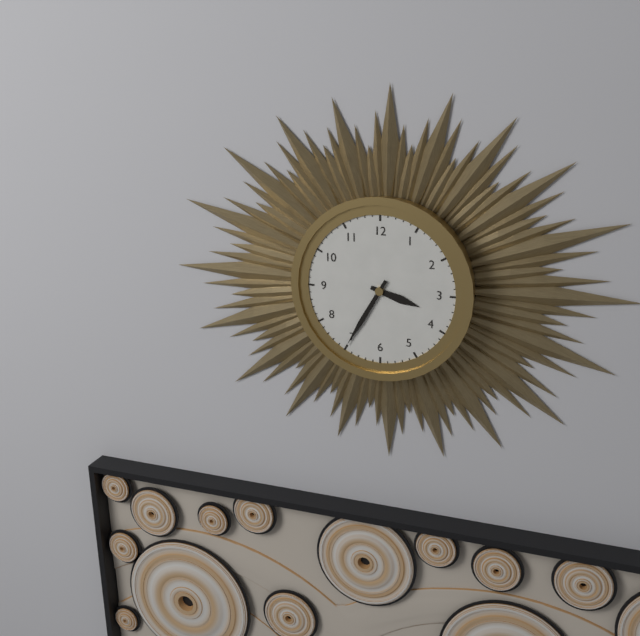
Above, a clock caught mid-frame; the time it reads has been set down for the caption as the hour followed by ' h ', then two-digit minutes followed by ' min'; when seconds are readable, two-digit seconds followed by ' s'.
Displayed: 3 h 35 min
